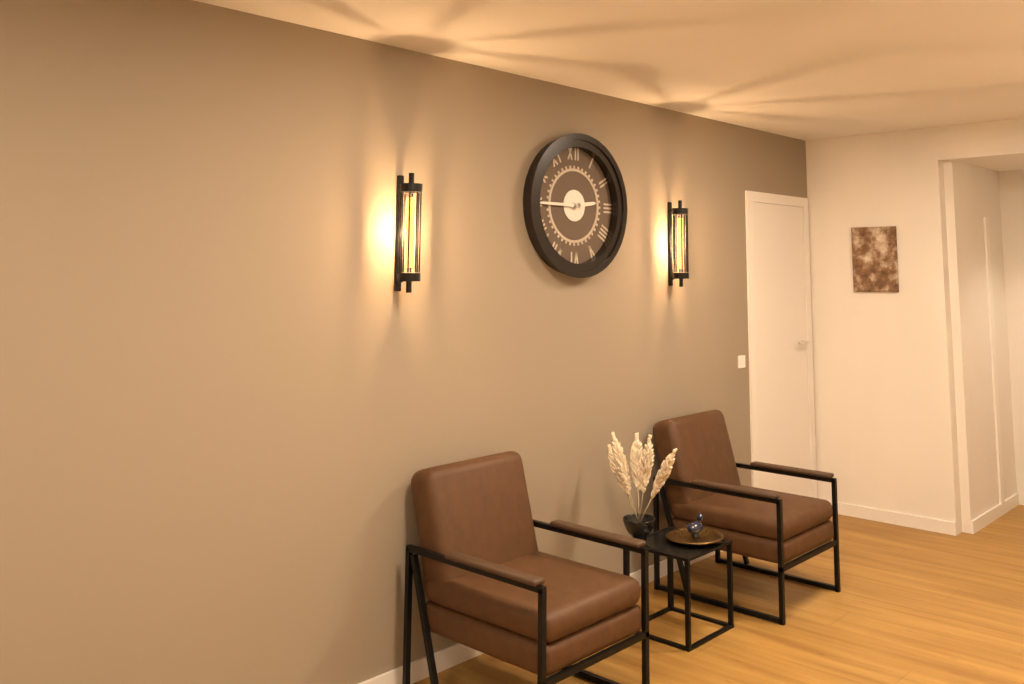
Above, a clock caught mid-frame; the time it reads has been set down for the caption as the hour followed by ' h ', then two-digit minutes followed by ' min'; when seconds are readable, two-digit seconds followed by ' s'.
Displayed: 2 h 45 min
